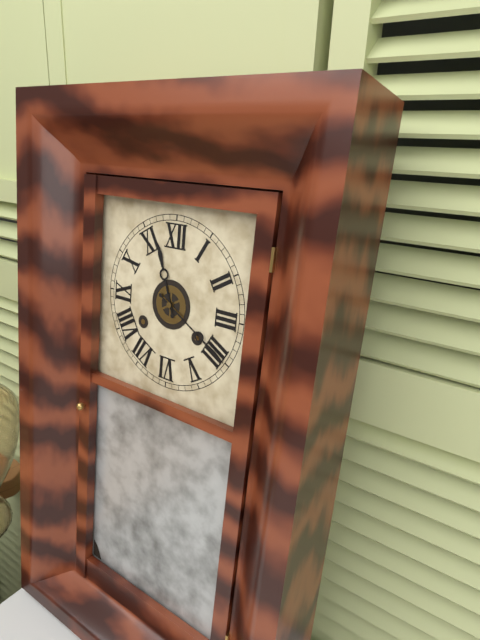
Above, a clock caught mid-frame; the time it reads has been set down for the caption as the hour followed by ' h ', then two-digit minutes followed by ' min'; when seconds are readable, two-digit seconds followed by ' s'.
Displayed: 11 h 20 min
